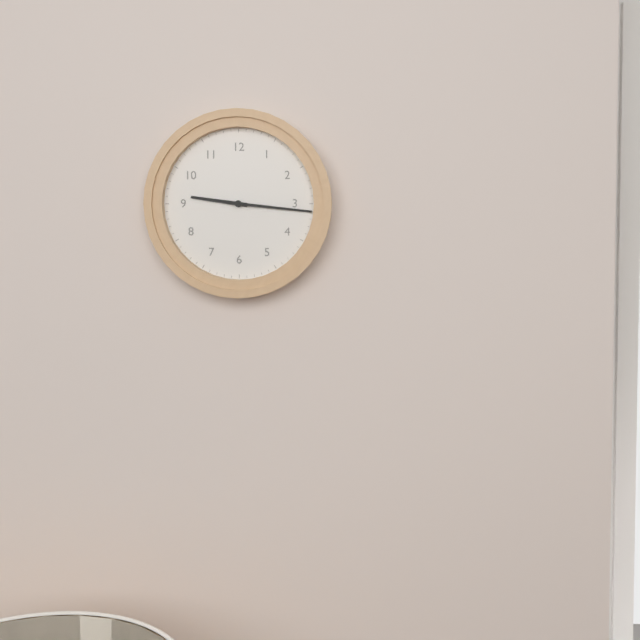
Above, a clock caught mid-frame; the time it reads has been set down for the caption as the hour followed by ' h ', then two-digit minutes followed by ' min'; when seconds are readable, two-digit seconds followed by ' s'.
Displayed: 9 h 16 min
